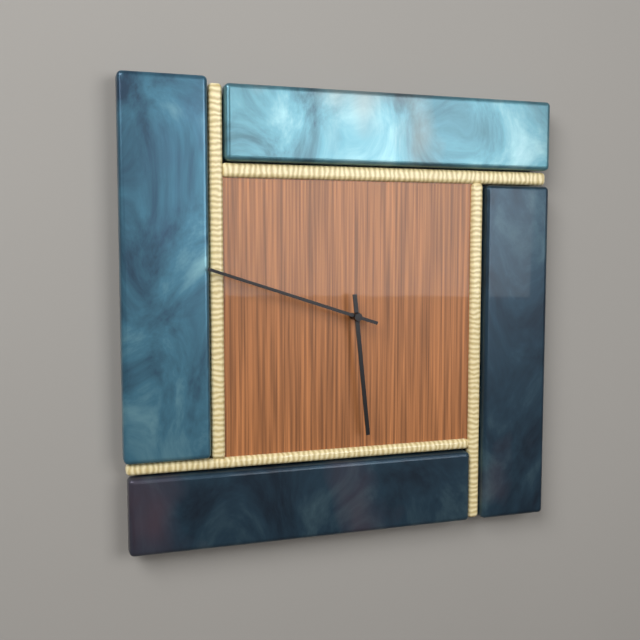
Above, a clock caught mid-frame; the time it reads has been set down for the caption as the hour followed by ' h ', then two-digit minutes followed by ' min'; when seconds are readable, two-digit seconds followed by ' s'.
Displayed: 5 h 48 min
